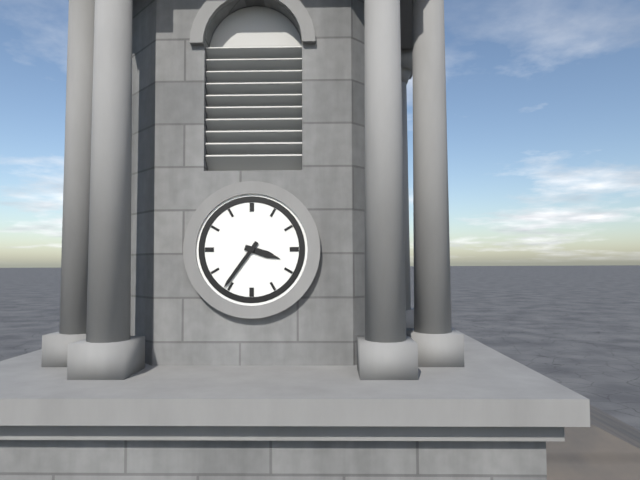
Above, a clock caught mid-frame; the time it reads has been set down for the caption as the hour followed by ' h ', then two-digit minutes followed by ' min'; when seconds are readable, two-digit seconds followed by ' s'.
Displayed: 3 h 36 min
